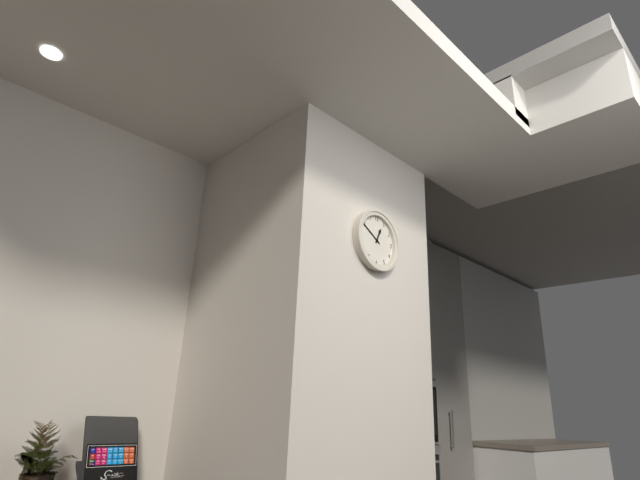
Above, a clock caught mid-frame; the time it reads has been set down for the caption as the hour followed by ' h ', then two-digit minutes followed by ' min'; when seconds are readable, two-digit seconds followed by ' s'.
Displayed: 12 h 50 min
